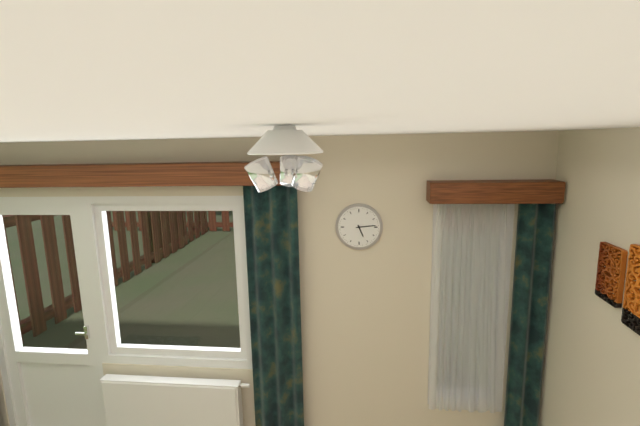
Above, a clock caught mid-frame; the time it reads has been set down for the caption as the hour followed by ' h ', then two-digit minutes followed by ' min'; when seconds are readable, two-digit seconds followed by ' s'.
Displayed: 5 h 14 min
